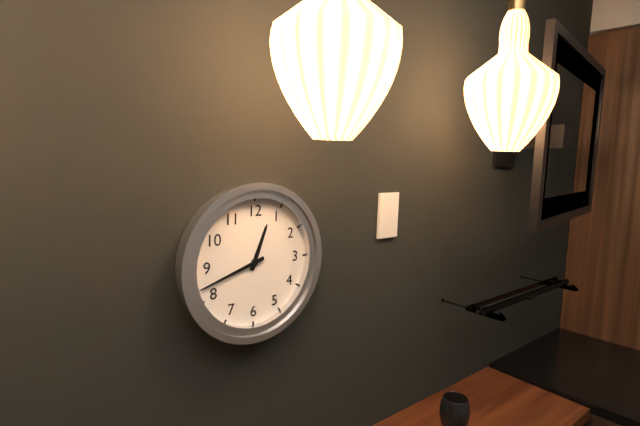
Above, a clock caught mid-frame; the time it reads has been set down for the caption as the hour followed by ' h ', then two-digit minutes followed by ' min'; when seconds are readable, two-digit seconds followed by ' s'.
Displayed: 12 h 42 min
